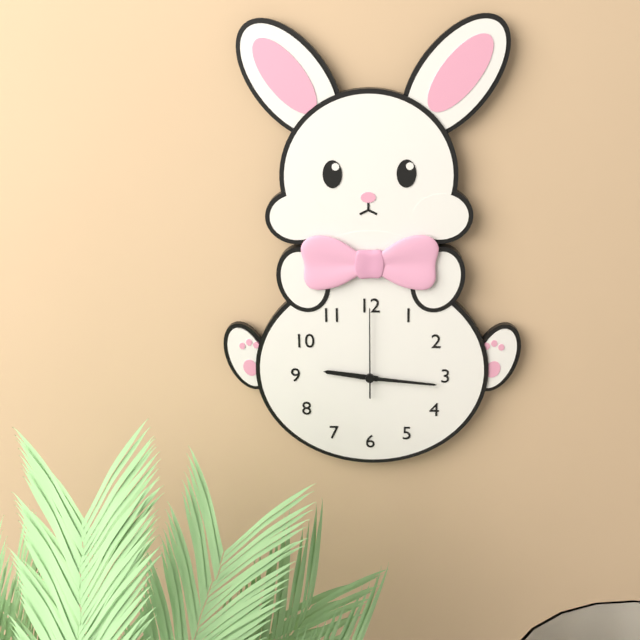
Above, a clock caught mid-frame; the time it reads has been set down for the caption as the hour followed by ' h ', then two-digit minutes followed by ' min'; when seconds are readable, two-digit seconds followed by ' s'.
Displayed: 9 h 16 min 00 s
